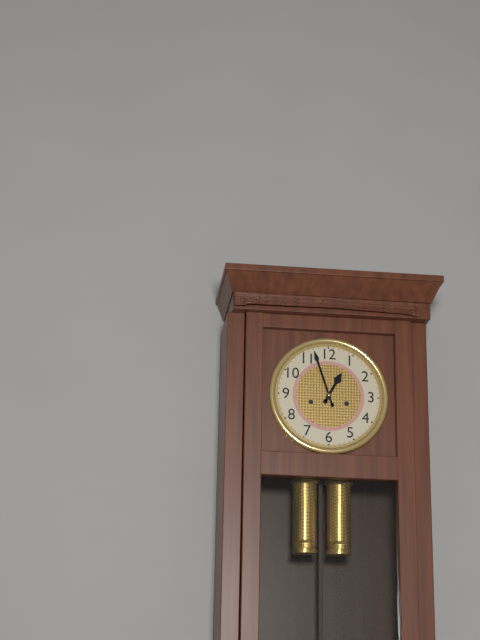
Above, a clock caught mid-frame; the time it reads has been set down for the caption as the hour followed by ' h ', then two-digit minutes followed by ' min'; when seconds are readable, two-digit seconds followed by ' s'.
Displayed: 12 h 57 min
